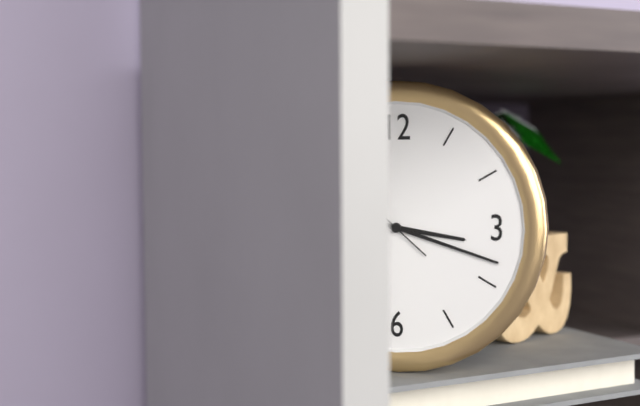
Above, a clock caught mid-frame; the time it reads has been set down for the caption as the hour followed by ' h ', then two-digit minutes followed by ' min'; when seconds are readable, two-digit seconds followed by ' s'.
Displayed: 3 h 18 min
